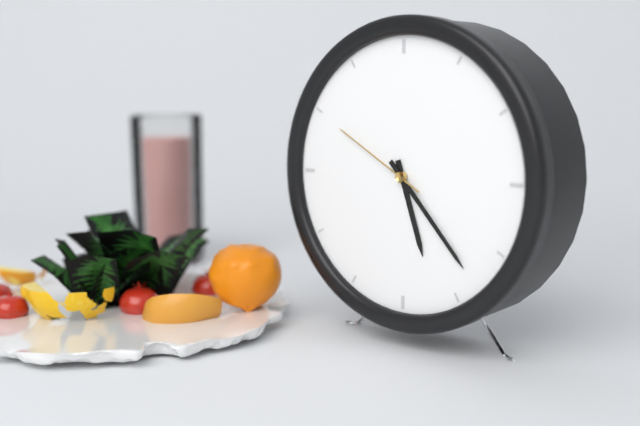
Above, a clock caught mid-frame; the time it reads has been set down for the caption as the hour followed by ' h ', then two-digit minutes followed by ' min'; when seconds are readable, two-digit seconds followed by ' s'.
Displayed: 5 h 23 min 50 s
